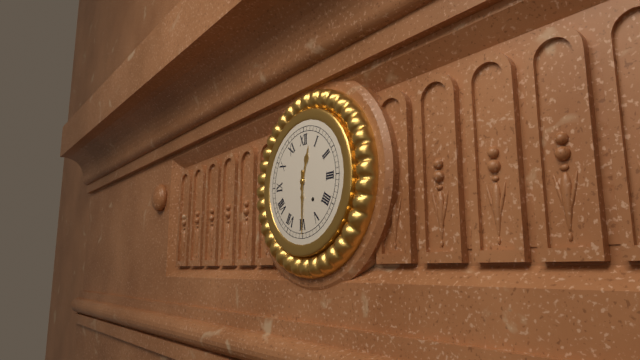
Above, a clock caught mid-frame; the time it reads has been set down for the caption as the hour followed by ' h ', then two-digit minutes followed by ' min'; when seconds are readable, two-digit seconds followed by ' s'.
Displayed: 12 h 30 min
